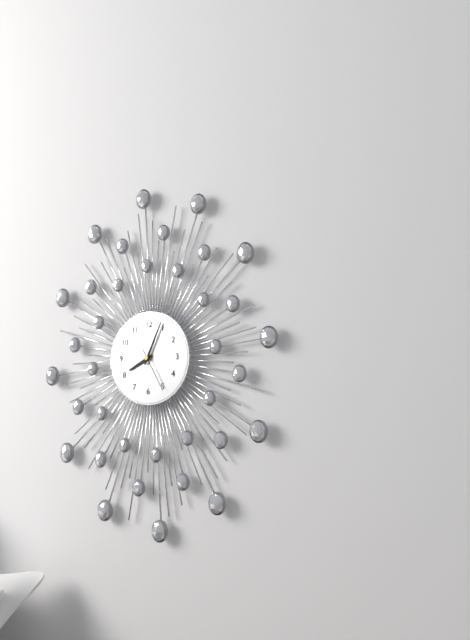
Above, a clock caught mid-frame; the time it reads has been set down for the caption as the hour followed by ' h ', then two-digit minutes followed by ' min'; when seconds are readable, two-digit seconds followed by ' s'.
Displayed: 8 h 04 min
